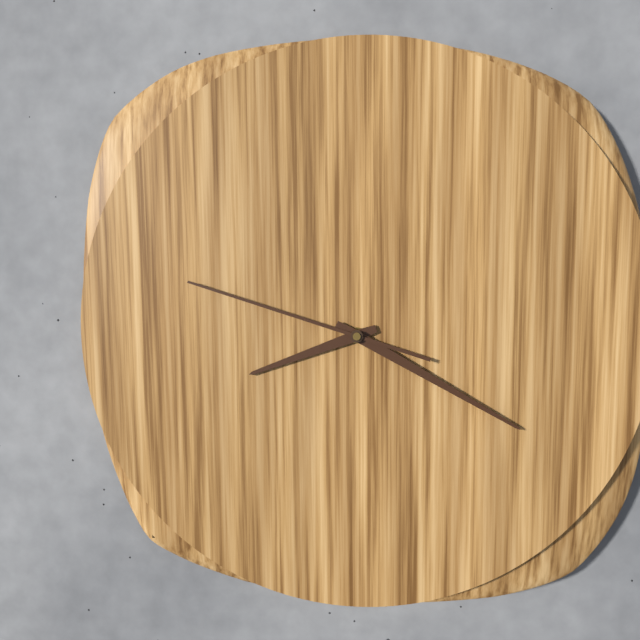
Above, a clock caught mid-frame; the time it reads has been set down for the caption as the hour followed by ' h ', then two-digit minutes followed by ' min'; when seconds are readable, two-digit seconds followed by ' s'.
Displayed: 8 h 20 min 48 s
